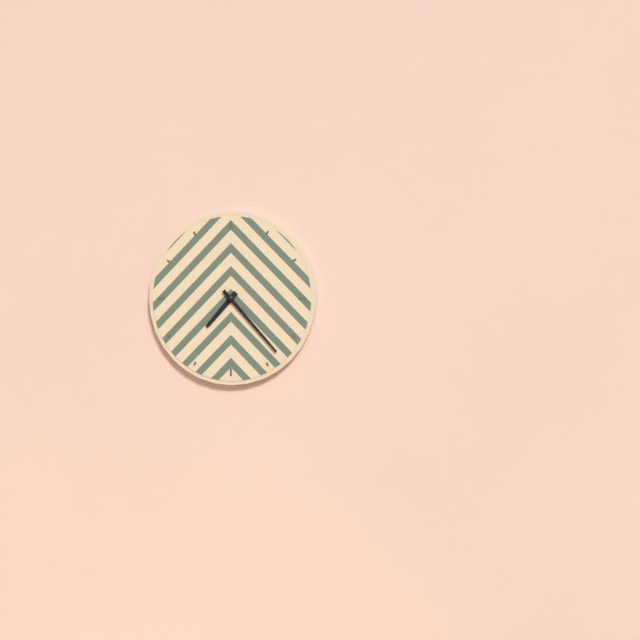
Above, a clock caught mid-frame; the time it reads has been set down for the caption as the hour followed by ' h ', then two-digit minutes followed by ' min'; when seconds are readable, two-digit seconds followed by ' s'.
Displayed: 7 h 23 min
